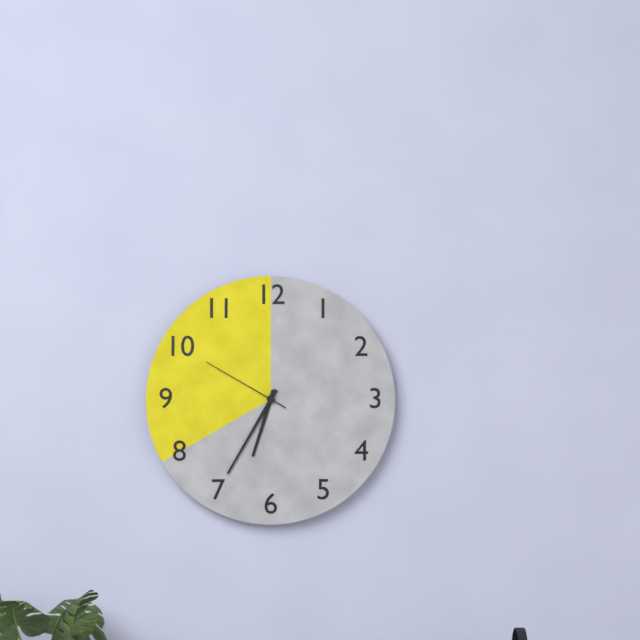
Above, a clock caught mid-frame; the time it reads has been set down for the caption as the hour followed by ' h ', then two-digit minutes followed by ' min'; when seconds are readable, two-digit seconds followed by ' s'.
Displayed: 6 h 35 min 50 s
